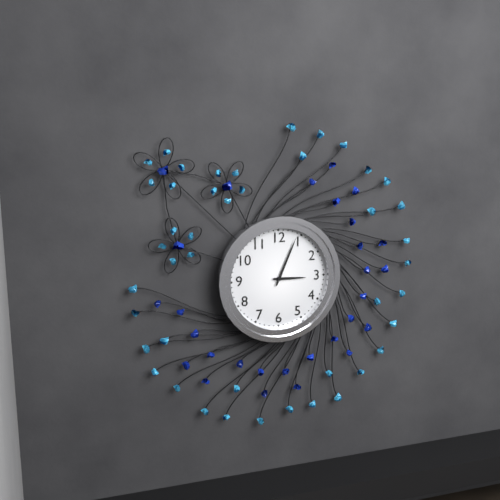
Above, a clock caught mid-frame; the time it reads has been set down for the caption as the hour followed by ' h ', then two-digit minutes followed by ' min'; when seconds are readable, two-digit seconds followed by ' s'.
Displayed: 3 h 04 min
